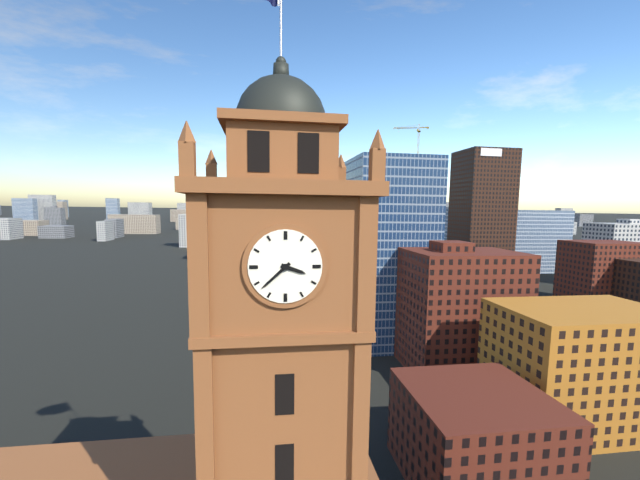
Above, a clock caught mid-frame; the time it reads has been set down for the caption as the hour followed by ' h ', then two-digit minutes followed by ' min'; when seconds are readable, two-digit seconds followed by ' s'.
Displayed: 3 h 38 min
